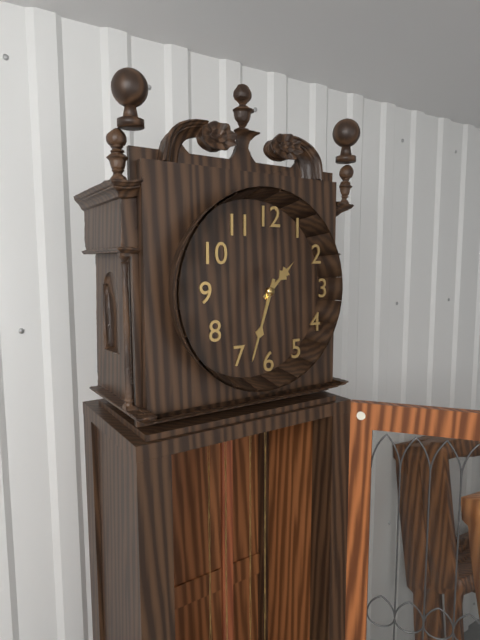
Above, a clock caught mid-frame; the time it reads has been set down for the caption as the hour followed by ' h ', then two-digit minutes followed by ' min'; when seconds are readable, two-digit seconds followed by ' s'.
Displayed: 1 h 33 min
